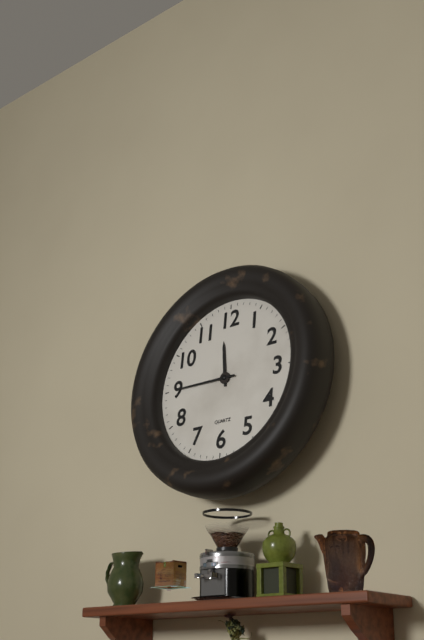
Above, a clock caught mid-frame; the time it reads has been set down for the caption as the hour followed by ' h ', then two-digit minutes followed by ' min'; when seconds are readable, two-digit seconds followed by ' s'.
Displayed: 11 h 45 min
